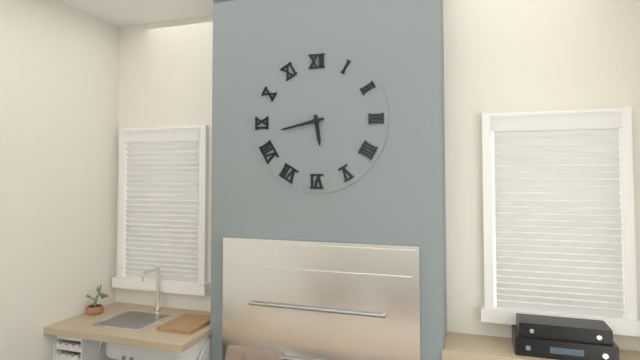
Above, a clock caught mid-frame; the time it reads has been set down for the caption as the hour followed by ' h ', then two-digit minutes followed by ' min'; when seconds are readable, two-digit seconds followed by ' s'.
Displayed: 5 h 43 min
